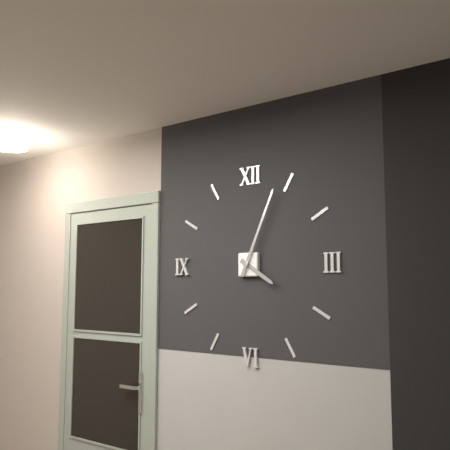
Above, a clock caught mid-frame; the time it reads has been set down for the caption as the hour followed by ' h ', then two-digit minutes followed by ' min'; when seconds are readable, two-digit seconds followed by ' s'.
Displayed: 4 h 04 min
